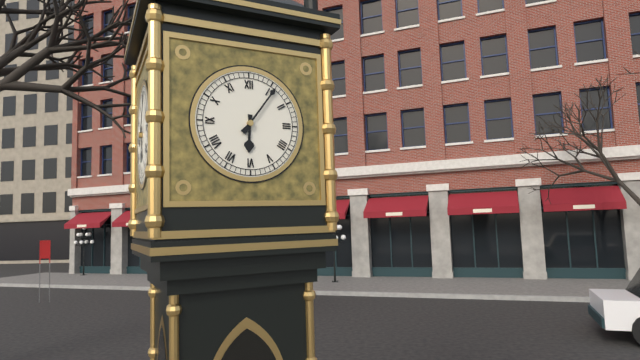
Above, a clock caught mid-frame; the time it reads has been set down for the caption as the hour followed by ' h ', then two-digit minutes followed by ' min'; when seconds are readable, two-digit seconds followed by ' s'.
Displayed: 6 h 06 min
